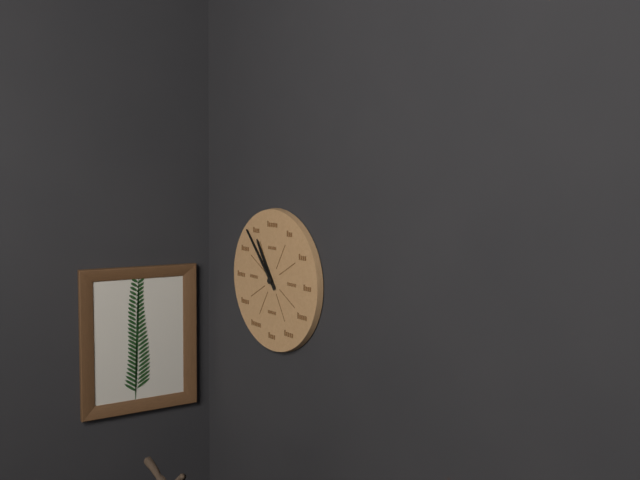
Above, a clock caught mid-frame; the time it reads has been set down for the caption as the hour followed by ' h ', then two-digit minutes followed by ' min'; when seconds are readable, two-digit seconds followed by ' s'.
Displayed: 10 h 53 min
